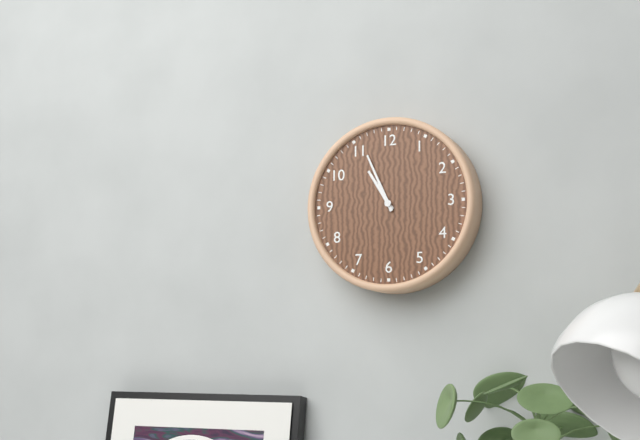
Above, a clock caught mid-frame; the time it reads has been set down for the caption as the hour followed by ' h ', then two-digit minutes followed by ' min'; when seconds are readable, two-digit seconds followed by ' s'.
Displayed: 10 h 56 min
